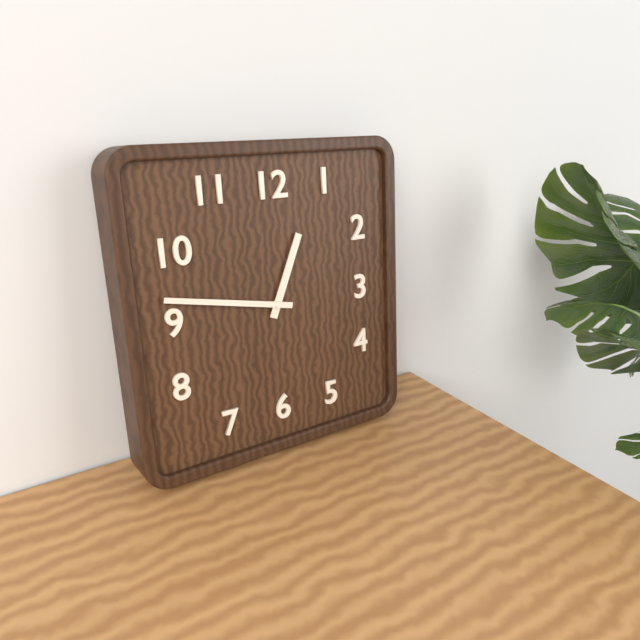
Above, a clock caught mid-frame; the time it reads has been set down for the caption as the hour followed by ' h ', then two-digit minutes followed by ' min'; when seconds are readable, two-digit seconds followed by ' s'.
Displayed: 12 h 47 min
